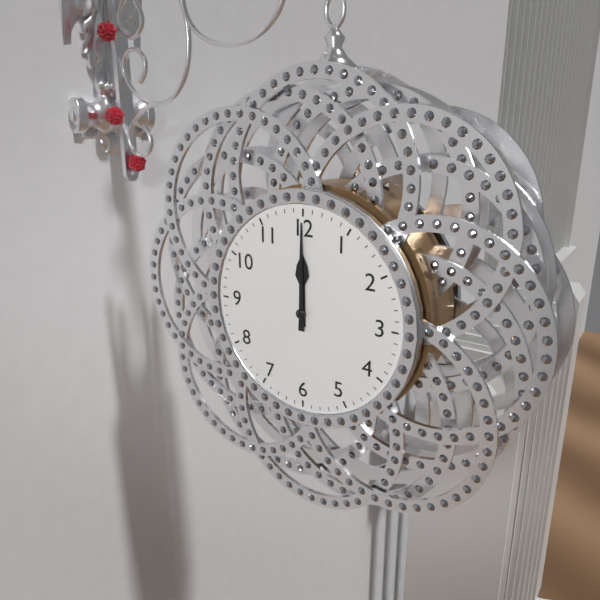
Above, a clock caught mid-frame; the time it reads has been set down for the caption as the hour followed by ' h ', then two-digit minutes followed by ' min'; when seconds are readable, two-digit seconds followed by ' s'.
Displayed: 12 h 00 min
